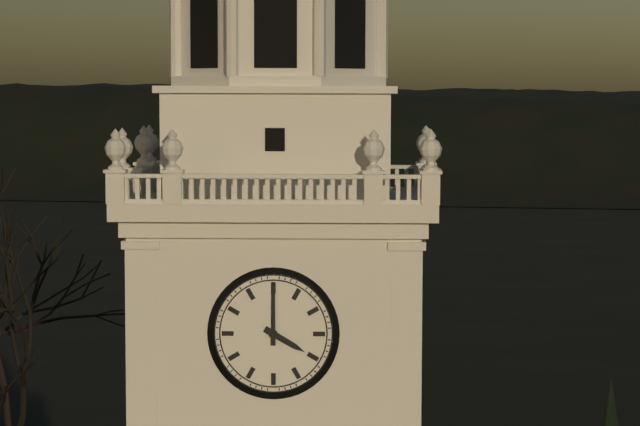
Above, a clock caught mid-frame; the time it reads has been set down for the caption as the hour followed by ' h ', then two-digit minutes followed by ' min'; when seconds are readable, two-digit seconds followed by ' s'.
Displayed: 4 h 00 min
